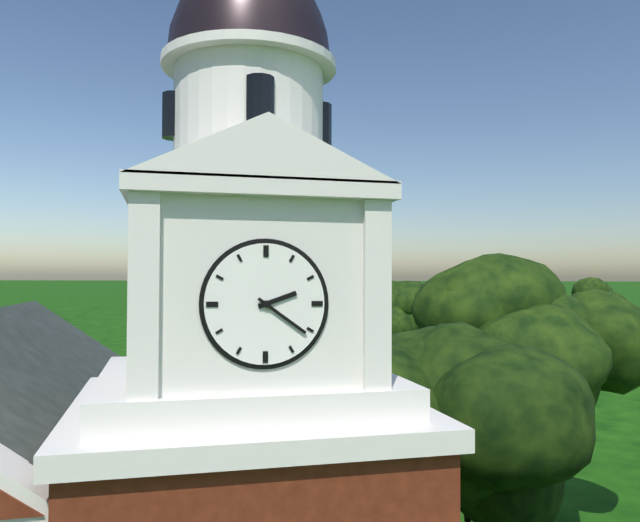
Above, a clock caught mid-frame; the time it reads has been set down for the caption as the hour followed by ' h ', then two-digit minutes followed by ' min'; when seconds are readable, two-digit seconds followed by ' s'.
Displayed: 2 h 21 min
